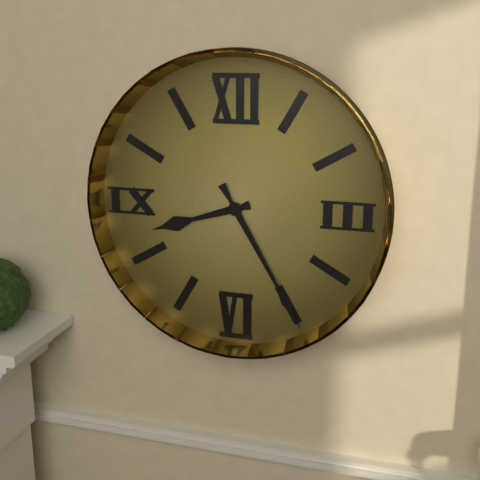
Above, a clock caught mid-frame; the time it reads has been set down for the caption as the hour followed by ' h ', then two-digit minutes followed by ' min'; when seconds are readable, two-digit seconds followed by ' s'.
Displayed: 8 h 25 min
